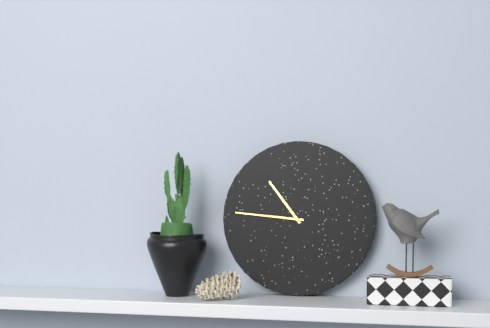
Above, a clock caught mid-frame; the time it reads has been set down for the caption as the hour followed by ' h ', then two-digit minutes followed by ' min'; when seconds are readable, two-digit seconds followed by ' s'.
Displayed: 10 h 46 min
